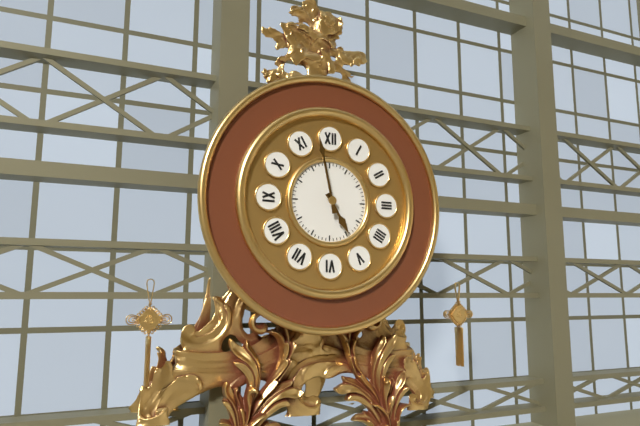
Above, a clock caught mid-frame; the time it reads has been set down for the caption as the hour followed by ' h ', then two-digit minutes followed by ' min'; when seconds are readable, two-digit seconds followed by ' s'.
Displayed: 4 h 58 min
